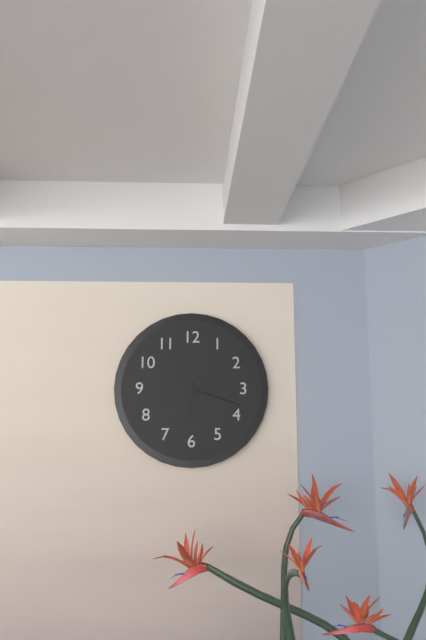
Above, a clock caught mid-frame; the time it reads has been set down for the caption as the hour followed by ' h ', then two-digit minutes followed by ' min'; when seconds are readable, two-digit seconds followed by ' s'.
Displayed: 6 h 18 min
